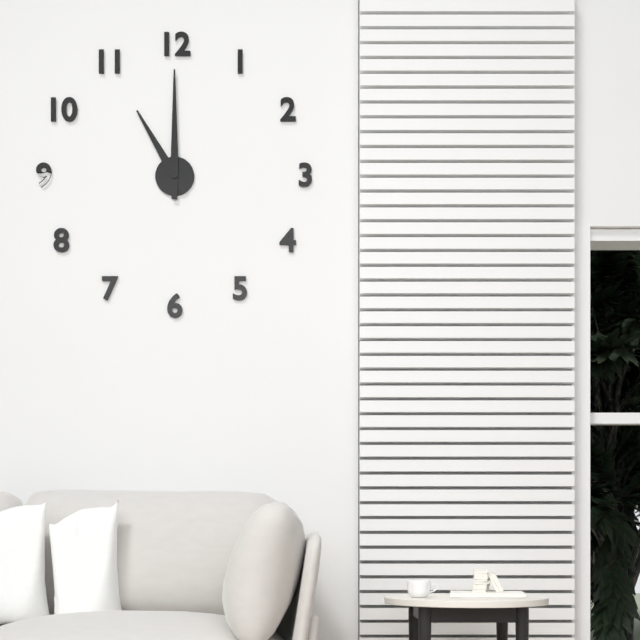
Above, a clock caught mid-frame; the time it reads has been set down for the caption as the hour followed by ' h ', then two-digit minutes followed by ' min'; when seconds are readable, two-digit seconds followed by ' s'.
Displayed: 11 h 00 min
